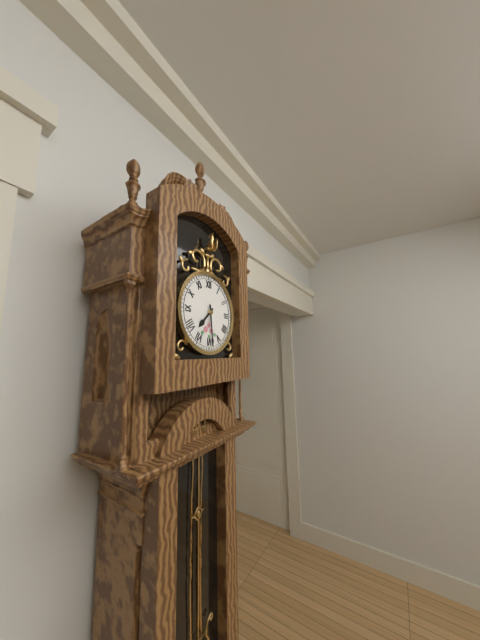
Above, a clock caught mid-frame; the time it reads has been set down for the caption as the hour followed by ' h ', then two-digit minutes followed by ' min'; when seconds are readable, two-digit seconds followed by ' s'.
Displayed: 7 h 29 min
